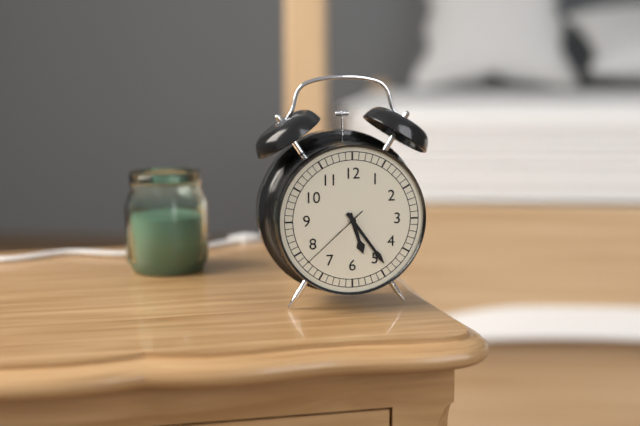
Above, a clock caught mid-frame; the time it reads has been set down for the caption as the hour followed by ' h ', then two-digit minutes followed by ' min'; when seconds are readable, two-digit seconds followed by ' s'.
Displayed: 5 h 24 min 38 s
